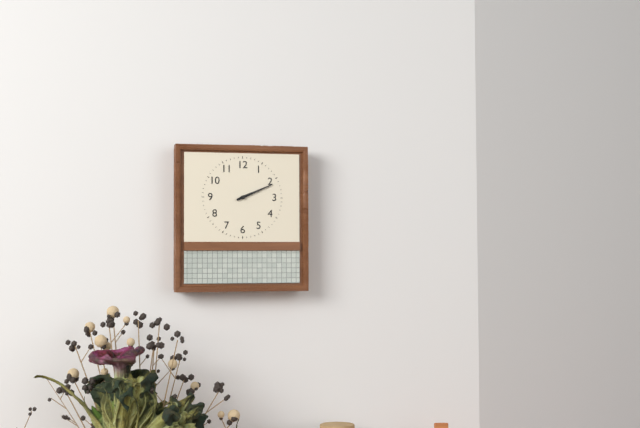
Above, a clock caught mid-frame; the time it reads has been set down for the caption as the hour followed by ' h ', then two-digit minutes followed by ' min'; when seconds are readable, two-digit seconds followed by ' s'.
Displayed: 2 h 11 min
